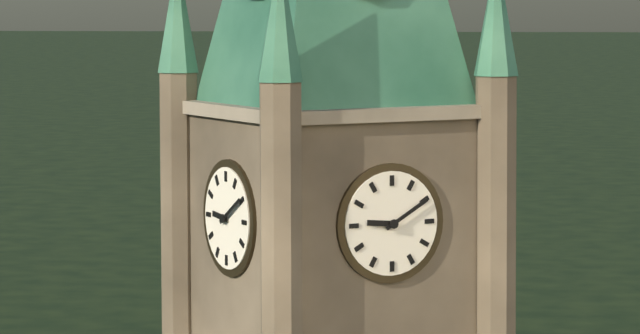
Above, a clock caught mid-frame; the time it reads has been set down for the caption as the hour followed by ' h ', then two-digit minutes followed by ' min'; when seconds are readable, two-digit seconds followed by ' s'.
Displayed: 9 h 10 min
